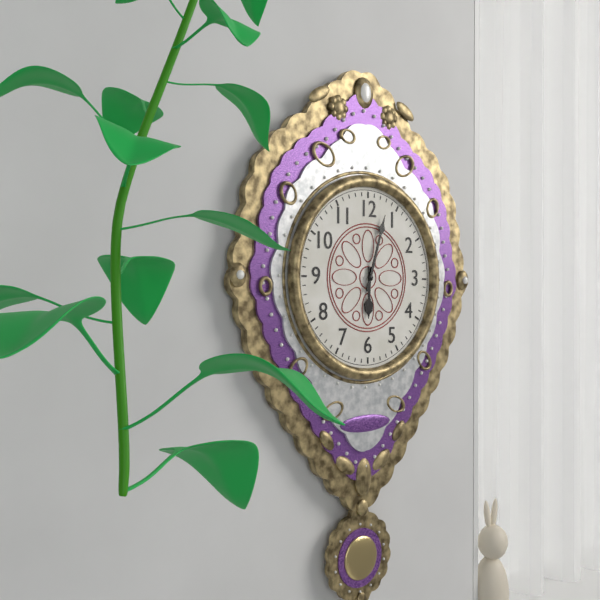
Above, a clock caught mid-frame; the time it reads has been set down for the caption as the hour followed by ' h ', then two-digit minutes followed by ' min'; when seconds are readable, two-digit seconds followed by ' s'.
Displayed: 6 h 03 min
